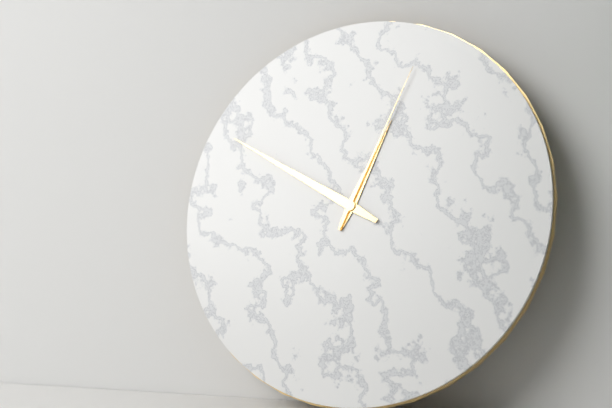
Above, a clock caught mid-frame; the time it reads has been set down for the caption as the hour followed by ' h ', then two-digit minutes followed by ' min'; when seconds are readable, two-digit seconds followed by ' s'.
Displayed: 12 h 50 min 04 s
